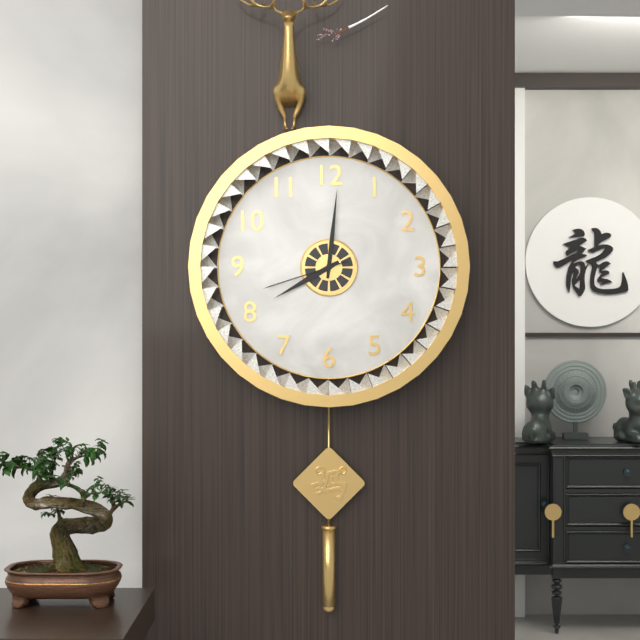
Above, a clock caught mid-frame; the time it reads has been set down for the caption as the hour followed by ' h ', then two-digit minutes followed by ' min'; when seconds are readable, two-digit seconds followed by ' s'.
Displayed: 8 h 01 min 42 s
